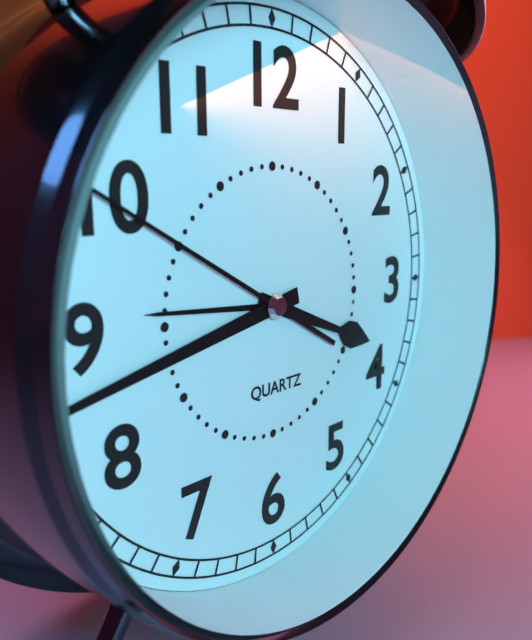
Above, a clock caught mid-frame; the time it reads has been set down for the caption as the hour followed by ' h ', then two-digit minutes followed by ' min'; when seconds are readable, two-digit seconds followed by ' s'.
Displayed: 3 h 43 min 50 s
